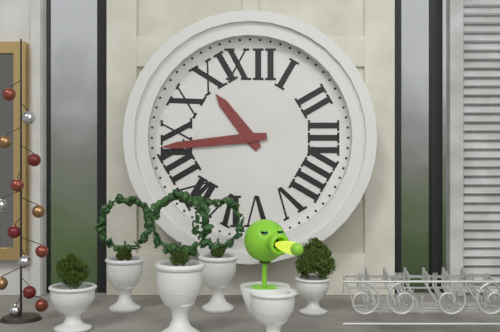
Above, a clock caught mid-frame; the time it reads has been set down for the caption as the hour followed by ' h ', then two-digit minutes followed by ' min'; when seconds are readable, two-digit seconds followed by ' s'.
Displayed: 10 h 44 min
